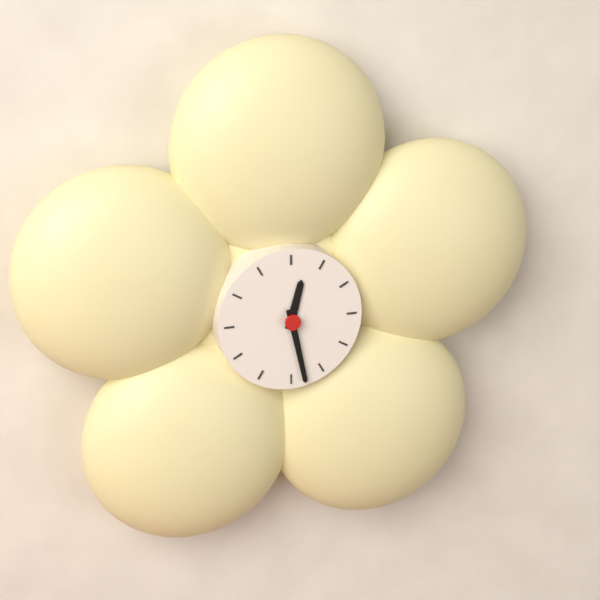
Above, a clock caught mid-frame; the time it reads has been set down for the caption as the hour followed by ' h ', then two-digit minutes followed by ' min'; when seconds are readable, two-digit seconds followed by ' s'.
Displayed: 12 h 28 min
